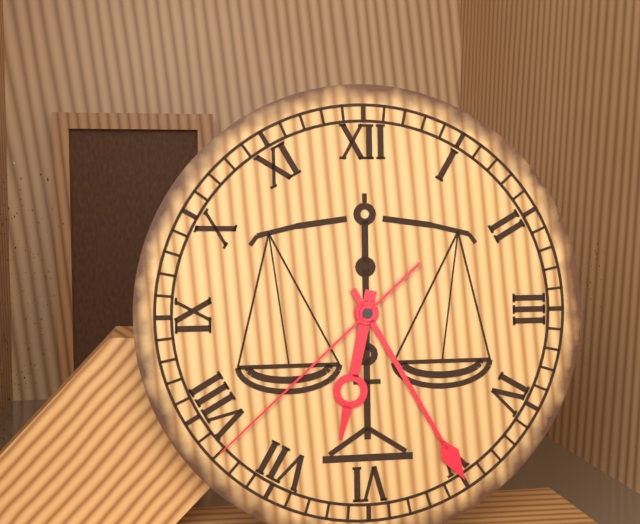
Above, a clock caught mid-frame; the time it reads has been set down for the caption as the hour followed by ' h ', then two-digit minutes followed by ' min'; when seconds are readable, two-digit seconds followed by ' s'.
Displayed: 6 h 25 min 38 s
